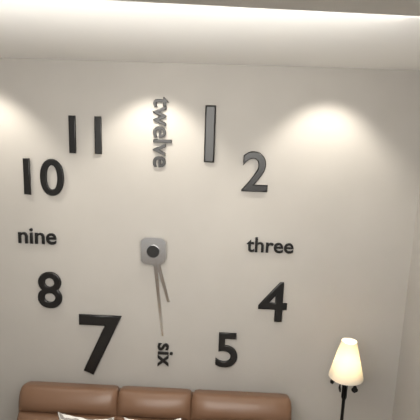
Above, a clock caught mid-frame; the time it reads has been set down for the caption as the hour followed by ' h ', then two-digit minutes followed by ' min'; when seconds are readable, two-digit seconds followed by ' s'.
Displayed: 5 h 29 min
